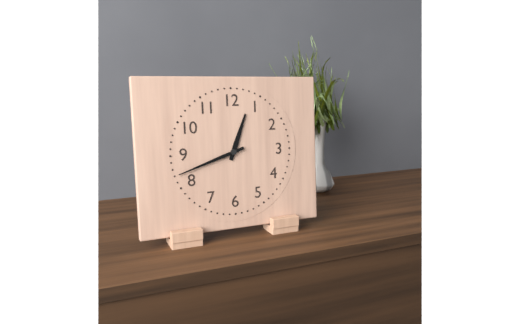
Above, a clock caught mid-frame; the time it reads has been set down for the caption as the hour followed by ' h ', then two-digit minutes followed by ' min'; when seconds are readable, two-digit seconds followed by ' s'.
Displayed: 12 h 42 min
